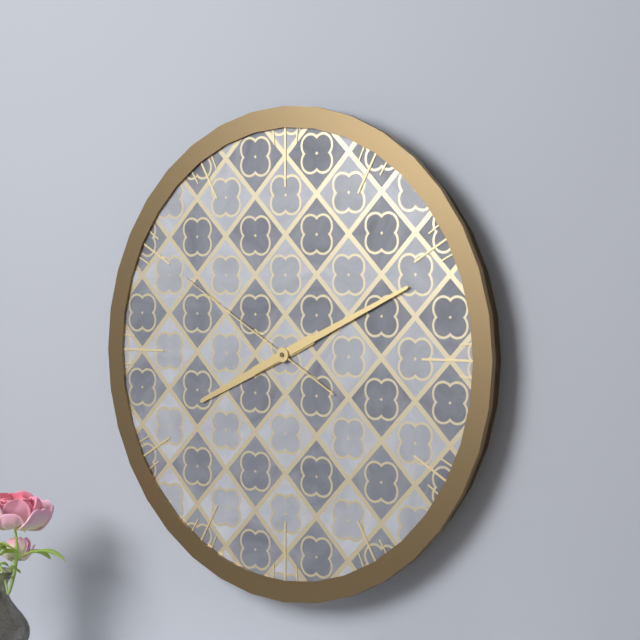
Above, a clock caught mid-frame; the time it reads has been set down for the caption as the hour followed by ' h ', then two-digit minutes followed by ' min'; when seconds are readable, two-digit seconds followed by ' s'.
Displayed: 8 h 11 min 50 s
